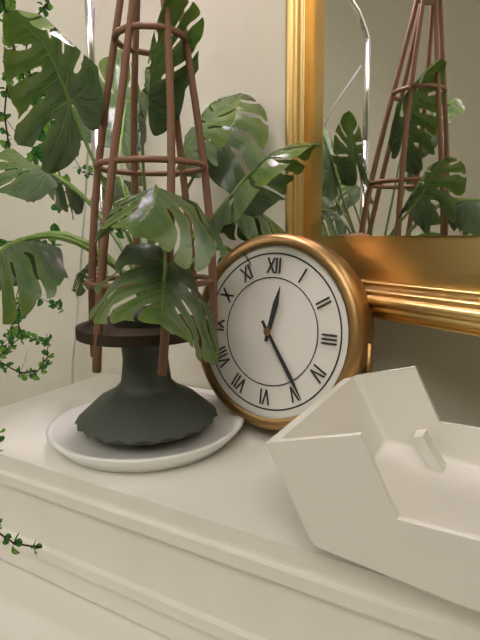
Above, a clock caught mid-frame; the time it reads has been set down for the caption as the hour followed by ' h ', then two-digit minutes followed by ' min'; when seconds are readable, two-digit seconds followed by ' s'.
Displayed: 12 h 24 min
